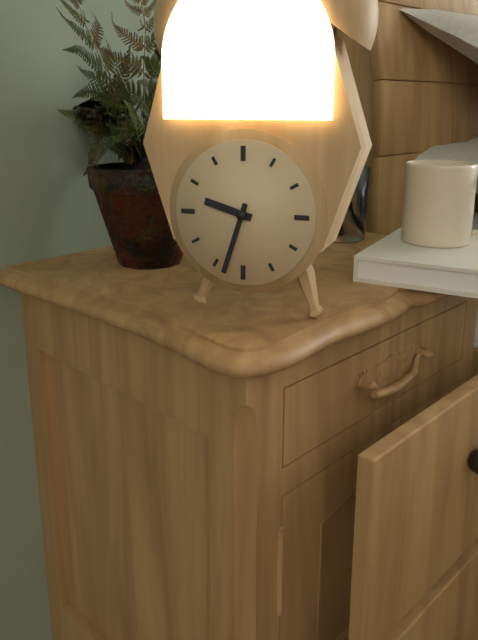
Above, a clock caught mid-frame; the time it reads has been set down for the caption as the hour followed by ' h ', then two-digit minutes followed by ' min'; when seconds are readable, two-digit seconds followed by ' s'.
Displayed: 9 h 33 min
